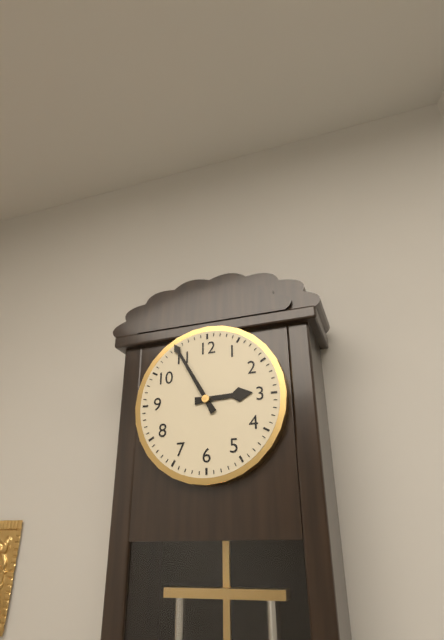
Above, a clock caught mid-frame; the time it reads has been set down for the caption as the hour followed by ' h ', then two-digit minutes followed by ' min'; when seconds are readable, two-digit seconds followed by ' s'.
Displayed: 2 h 55 min
